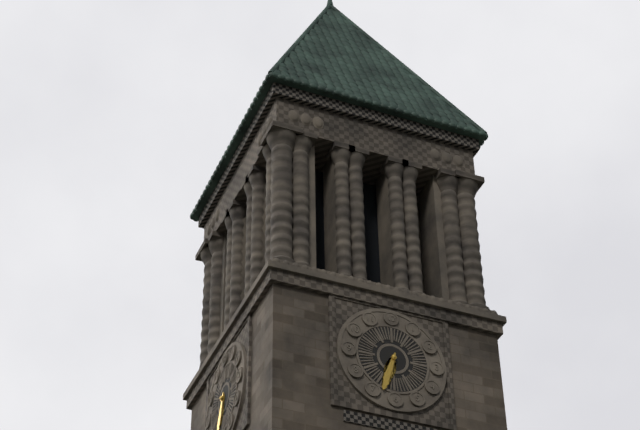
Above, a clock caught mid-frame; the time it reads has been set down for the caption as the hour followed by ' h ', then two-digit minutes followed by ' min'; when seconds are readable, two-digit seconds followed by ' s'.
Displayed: 6 h 33 min
